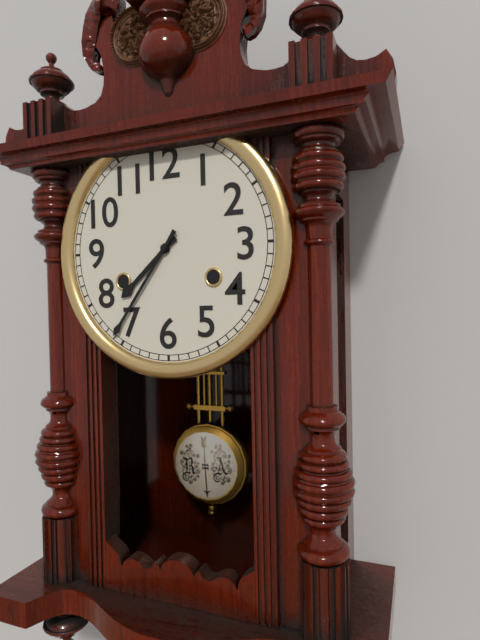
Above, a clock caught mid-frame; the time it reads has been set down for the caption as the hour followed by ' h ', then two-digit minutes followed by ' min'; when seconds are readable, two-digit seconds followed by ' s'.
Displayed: 7 h 36 min
